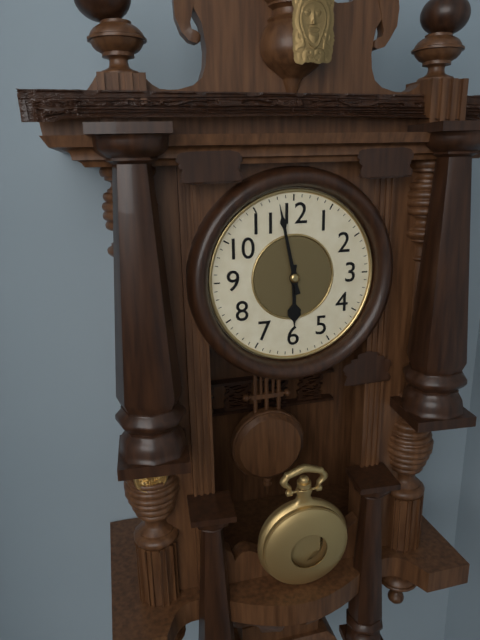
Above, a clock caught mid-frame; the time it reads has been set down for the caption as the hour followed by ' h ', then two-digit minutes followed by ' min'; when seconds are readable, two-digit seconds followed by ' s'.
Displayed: 5 h 58 min
